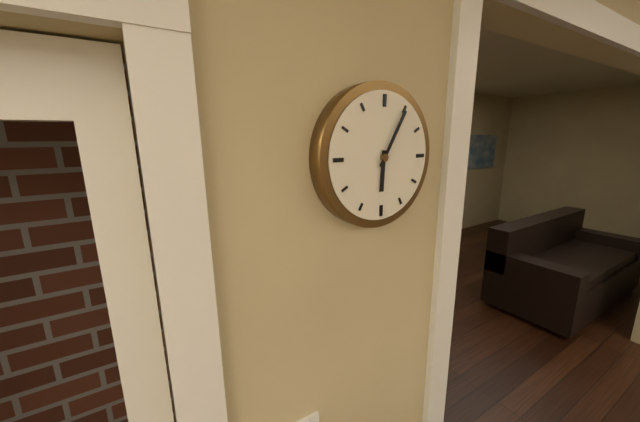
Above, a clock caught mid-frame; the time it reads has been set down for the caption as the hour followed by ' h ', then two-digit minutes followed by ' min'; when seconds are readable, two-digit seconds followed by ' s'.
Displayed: 6 h 05 min
